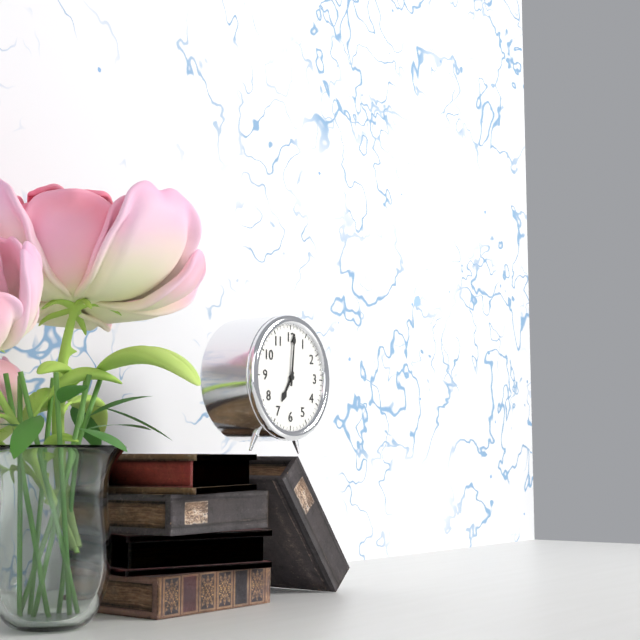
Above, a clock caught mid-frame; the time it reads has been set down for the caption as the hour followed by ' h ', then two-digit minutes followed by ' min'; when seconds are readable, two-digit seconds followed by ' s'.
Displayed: 7 h 01 min
